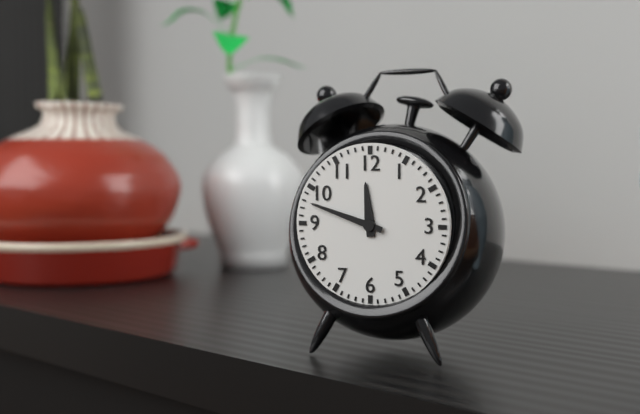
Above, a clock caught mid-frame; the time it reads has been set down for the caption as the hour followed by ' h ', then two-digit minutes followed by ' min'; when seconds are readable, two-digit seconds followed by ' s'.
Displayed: 11 h 48 min
